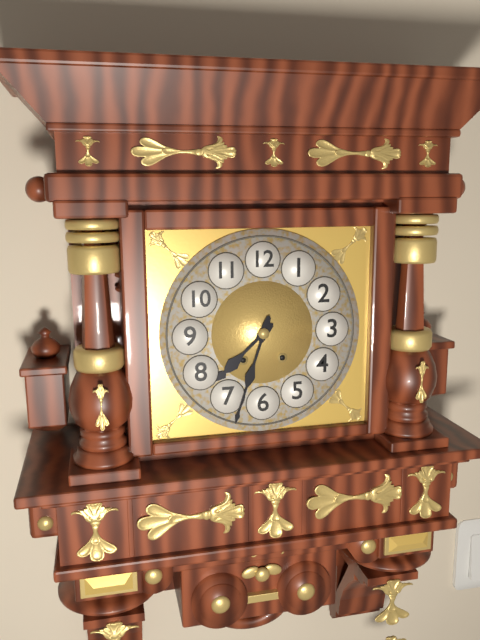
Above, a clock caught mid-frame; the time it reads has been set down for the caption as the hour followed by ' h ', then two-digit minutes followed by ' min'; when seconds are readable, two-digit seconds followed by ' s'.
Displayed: 7 h 33 min
